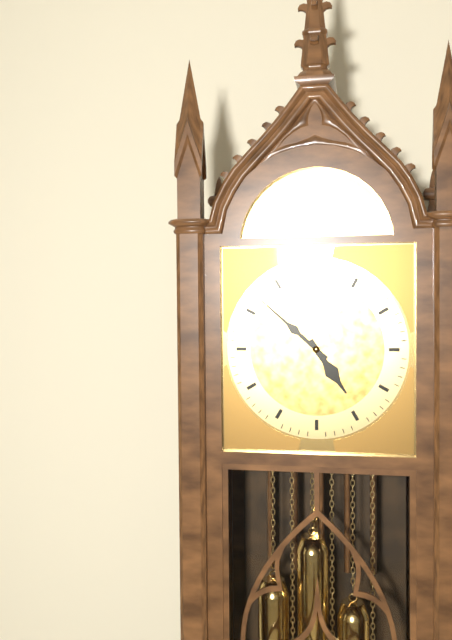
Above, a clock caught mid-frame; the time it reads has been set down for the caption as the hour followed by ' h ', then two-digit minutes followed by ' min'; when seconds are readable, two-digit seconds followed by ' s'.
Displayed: 4 h 52 min
